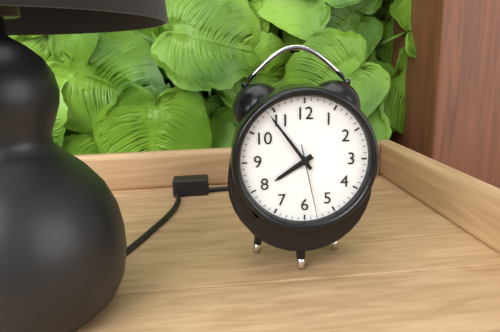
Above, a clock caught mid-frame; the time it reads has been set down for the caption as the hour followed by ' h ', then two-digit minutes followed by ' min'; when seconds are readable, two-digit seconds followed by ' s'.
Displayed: 7 h 54 min 28 s
